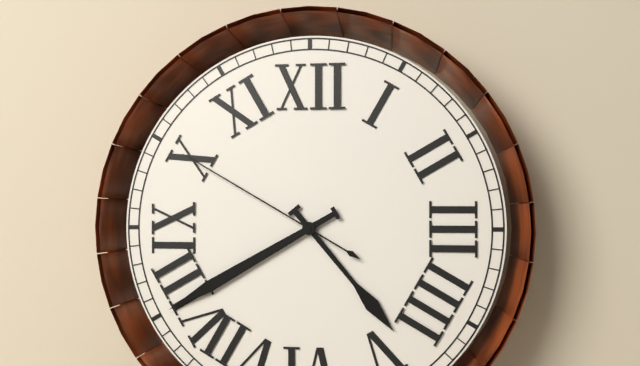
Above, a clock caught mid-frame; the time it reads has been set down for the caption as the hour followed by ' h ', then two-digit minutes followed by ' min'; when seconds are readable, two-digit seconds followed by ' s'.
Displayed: 4 h 40 min 50 s
